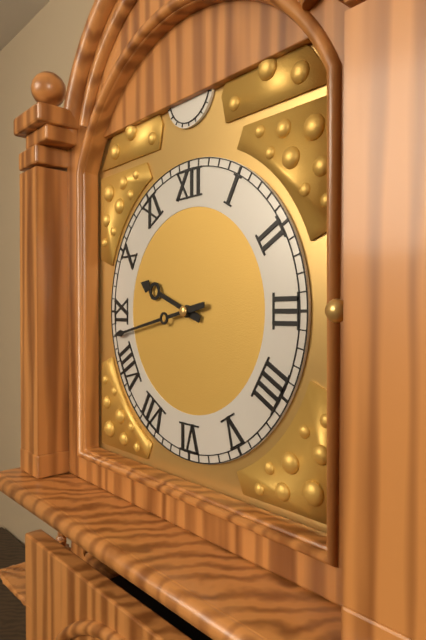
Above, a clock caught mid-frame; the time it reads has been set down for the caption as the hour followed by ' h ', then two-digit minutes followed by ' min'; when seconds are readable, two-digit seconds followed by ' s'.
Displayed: 9 h 43 min
